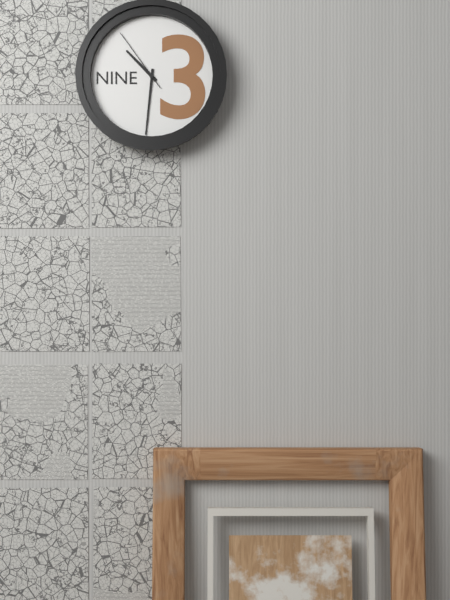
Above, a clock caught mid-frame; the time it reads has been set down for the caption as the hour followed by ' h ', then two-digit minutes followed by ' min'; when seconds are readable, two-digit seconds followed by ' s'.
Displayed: 10 h 31 min 54 s
